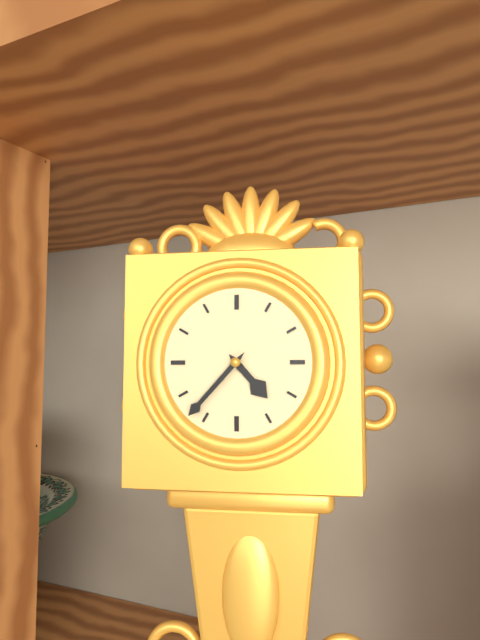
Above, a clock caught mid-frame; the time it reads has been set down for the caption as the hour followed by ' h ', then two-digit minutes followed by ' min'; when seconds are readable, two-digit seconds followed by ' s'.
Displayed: 4 h 37 min
